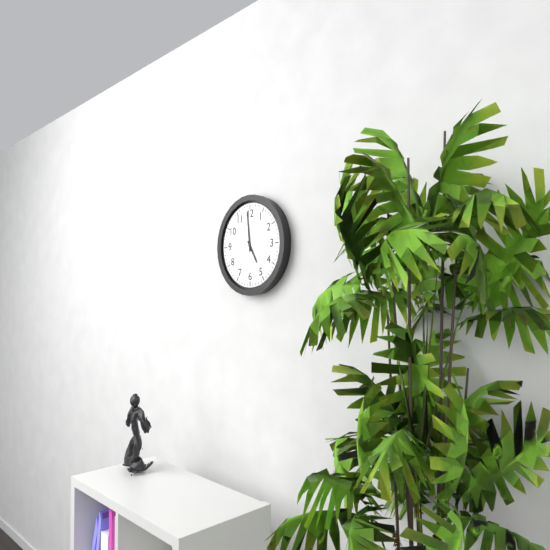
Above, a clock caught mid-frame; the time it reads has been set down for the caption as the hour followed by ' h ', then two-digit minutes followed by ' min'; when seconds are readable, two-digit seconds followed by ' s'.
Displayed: 4 h 59 min
